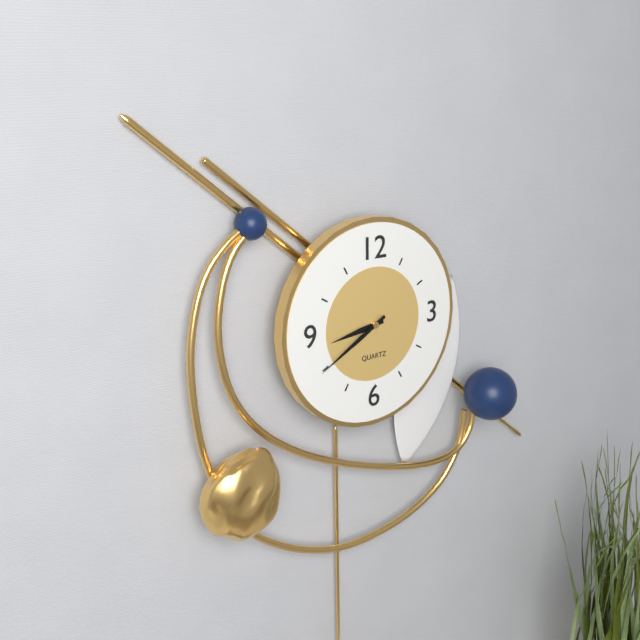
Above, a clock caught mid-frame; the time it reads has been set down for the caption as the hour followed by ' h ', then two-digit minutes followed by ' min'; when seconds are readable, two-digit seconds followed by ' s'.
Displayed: 8 h 40 min
